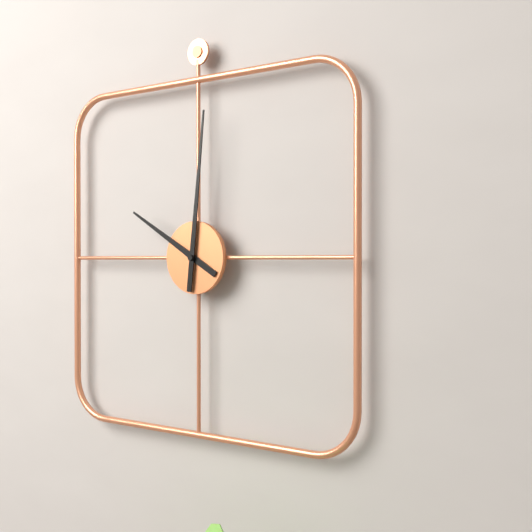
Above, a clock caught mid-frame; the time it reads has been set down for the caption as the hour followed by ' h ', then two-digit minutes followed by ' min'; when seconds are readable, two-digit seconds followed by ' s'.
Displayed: 10 h 01 min
